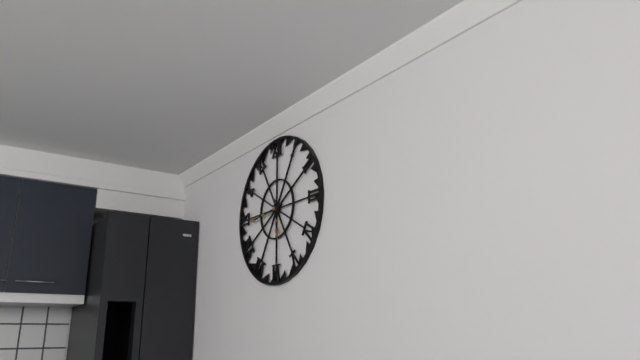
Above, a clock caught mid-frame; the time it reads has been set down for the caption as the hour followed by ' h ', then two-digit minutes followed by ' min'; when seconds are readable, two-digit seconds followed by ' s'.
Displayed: 5 h 44 min
